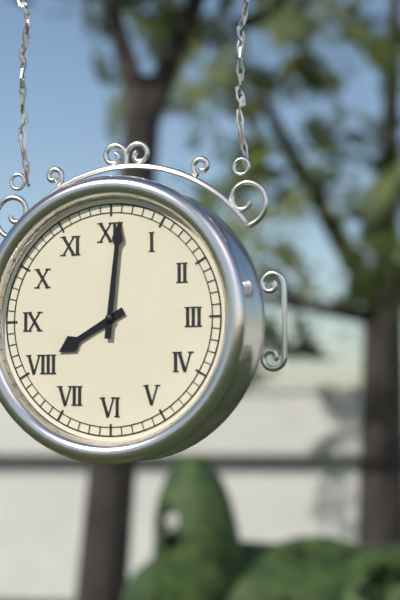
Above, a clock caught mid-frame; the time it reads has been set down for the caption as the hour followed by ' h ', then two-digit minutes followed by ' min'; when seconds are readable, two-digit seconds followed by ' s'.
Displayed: 8 h 01 min
